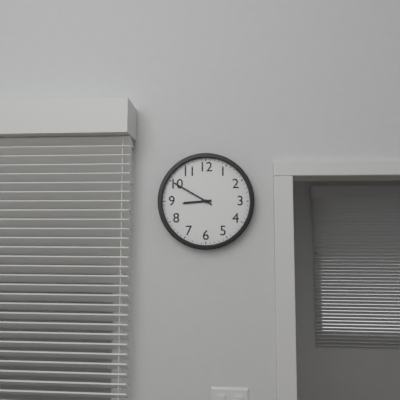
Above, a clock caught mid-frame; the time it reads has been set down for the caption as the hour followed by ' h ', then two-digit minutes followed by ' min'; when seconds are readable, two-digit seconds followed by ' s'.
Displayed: 8 h 50 min
